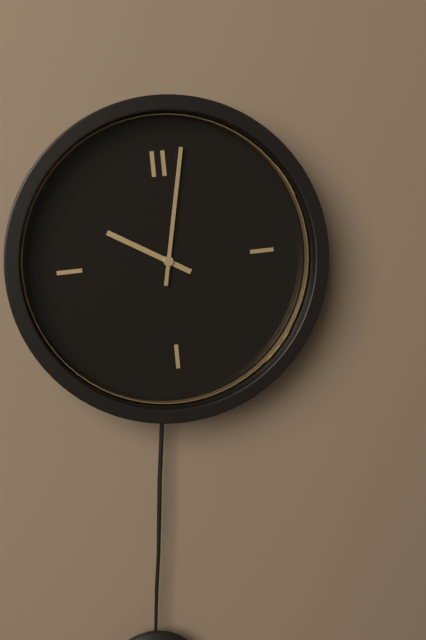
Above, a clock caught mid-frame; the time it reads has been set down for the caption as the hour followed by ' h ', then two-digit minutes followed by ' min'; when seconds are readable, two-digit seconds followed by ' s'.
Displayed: 10 h 02 min
